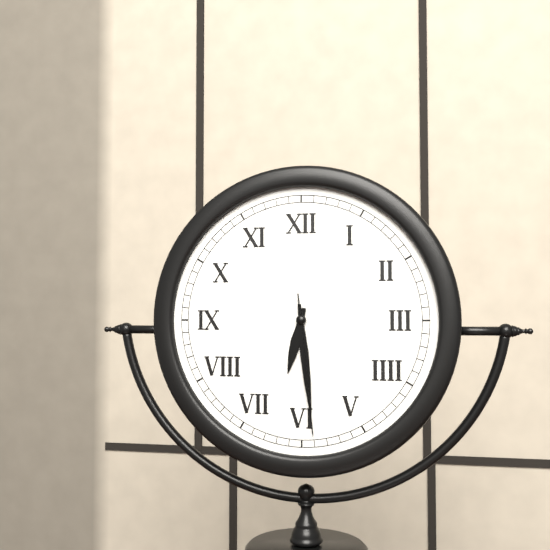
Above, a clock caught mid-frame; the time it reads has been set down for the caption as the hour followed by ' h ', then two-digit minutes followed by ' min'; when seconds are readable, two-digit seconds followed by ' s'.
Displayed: 6 h 29 min 29 s
